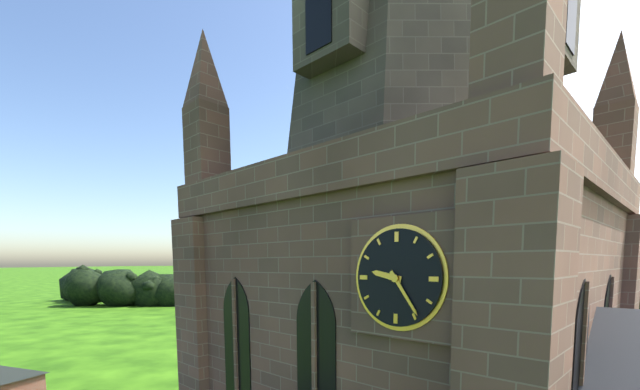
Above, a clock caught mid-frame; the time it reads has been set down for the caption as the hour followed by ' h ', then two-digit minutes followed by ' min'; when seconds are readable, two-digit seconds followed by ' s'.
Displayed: 9 h 24 min
